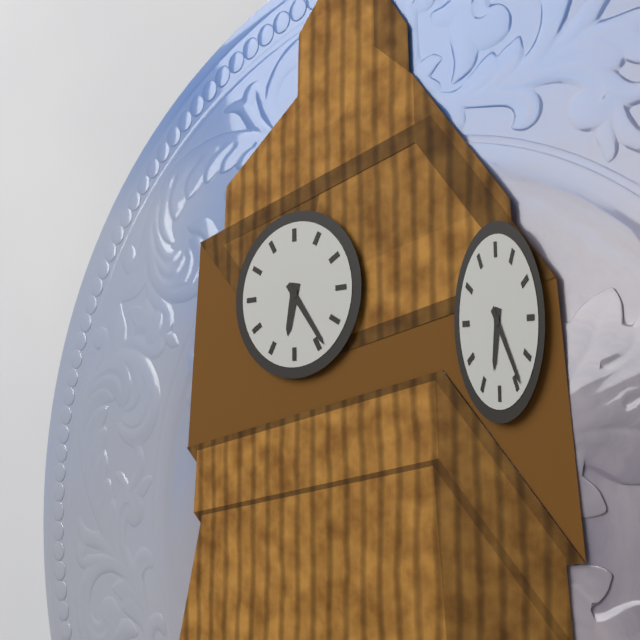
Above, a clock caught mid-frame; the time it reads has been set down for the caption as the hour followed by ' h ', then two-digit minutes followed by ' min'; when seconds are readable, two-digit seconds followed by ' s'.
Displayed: 6 h 24 min
